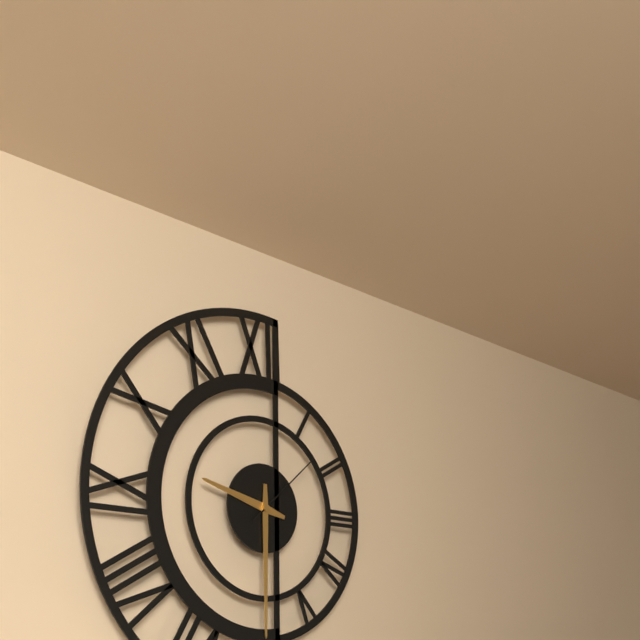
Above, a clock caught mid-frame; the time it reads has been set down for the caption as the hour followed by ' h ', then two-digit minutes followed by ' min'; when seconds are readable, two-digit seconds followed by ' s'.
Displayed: 9 h 30 min 08 s
